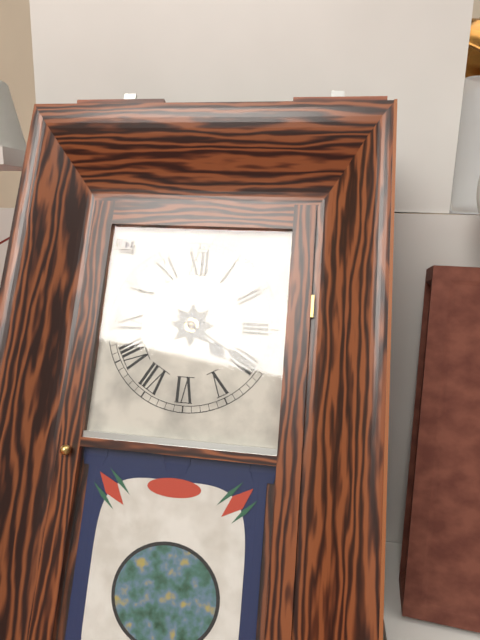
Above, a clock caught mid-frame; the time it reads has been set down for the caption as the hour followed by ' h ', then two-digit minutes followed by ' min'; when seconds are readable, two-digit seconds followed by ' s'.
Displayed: 4 h 20 min
